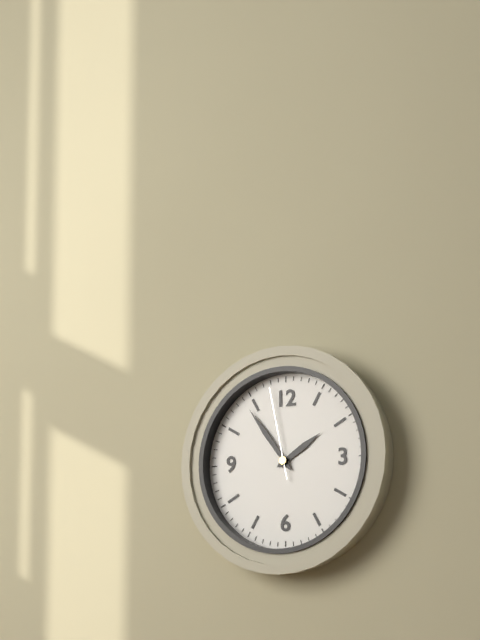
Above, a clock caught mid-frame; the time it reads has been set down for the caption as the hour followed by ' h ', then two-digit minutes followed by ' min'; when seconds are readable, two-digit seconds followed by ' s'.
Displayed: 1 h 54 min 58 s
